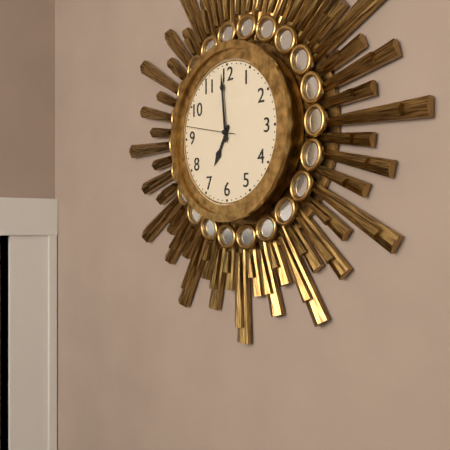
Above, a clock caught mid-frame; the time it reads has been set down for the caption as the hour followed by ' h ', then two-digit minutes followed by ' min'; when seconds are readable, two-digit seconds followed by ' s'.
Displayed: 6 h 59 min
